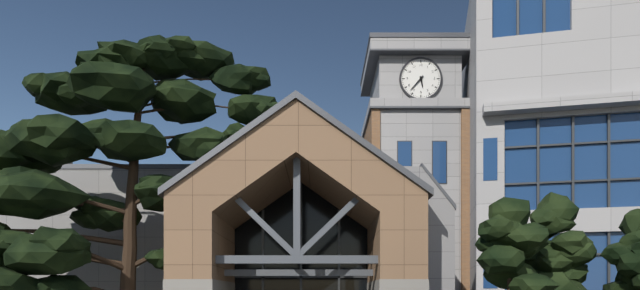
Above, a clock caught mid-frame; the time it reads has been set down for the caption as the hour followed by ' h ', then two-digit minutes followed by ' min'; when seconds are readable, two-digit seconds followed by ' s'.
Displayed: 5 h 37 min
